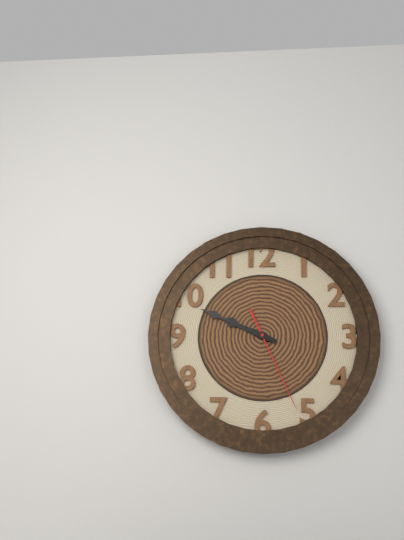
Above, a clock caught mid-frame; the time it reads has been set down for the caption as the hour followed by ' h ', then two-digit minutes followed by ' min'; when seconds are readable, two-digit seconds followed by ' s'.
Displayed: 9 h 49 min 26 s
